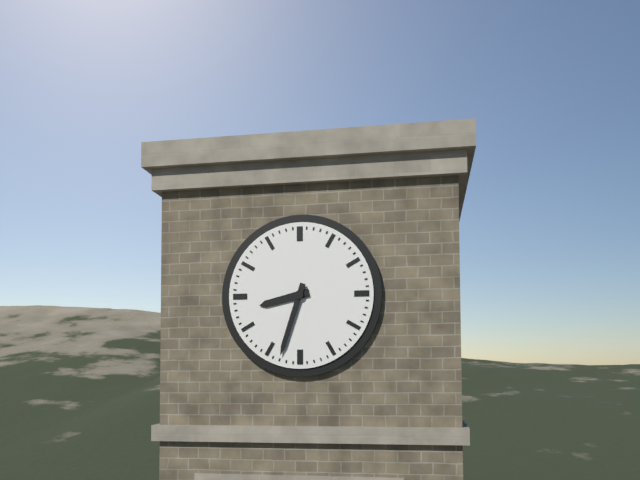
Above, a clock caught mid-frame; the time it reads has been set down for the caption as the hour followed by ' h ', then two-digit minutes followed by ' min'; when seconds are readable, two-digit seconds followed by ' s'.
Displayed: 8 h 33 min
